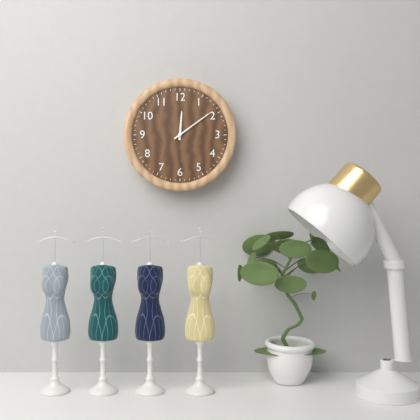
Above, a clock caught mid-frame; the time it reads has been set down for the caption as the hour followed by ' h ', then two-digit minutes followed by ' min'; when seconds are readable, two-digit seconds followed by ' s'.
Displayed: 12 h 09 min
